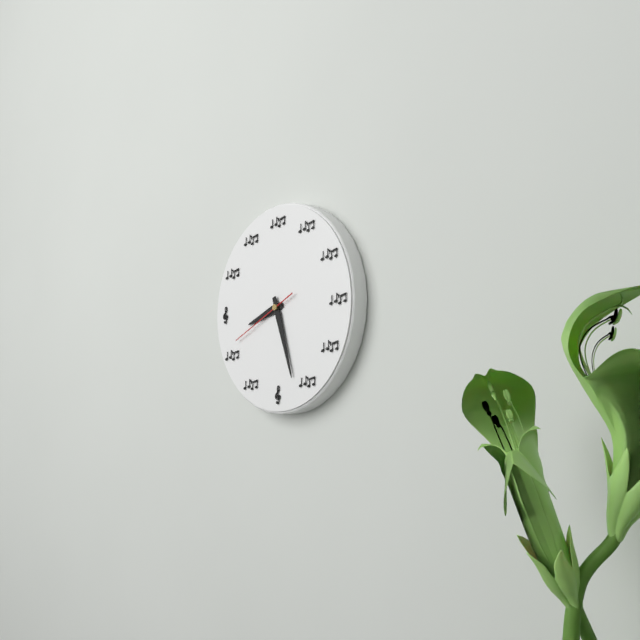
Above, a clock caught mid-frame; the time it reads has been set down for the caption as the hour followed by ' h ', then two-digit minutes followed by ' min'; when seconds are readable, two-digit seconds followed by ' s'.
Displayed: 8 h 27 min 41 s
